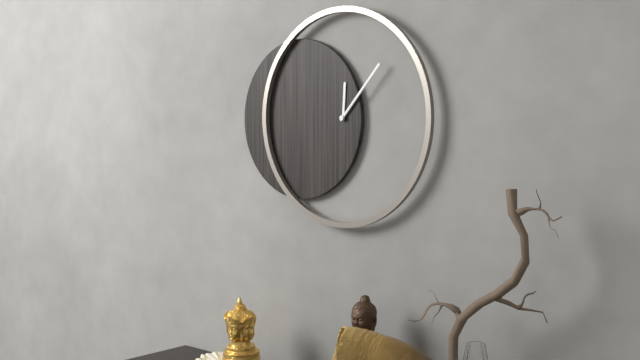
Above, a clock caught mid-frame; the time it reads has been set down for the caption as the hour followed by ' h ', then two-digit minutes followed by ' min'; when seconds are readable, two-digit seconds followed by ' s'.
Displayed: 12 h 07 min
